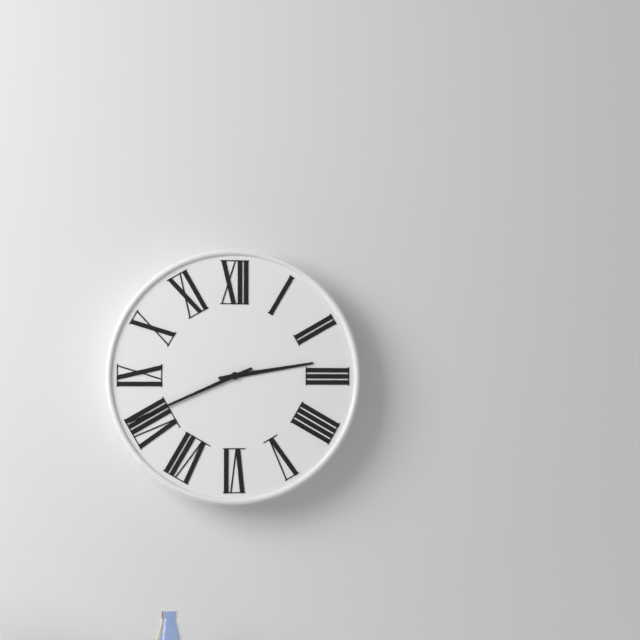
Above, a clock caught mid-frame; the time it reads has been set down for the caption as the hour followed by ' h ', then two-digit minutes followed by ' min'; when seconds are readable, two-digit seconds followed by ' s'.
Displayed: 2 h 41 min
